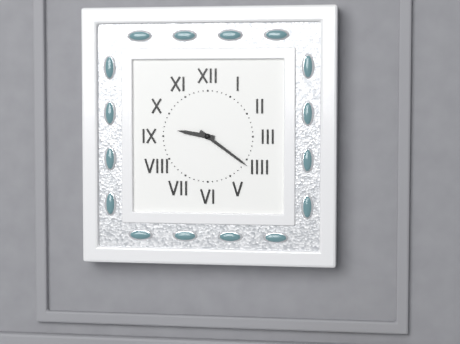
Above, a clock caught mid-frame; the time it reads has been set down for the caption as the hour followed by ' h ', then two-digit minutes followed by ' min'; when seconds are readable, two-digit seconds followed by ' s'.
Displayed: 9 h 21 min
